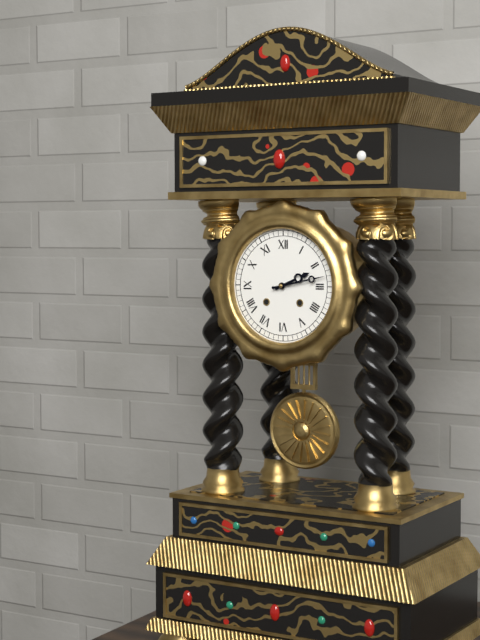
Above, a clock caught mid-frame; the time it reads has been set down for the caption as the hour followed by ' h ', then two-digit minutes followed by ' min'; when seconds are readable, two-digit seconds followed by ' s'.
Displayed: 2 h 13 min
